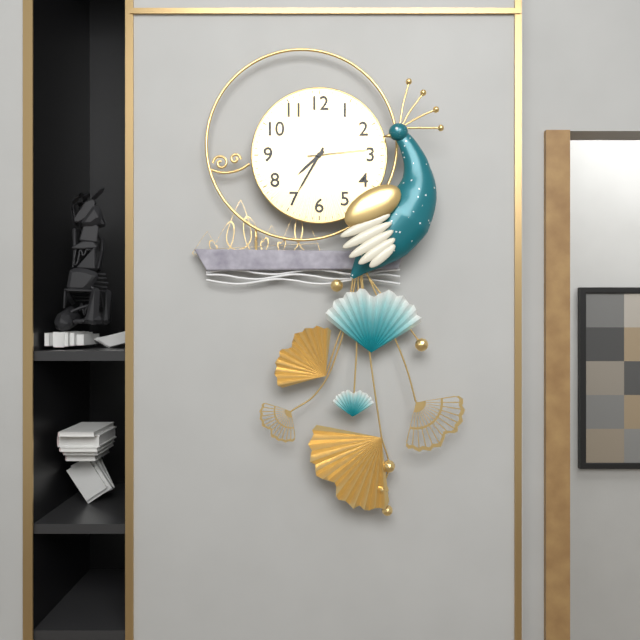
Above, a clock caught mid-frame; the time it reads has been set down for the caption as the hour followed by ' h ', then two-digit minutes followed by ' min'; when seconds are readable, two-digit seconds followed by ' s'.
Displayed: 7 h 35 min 14 s
